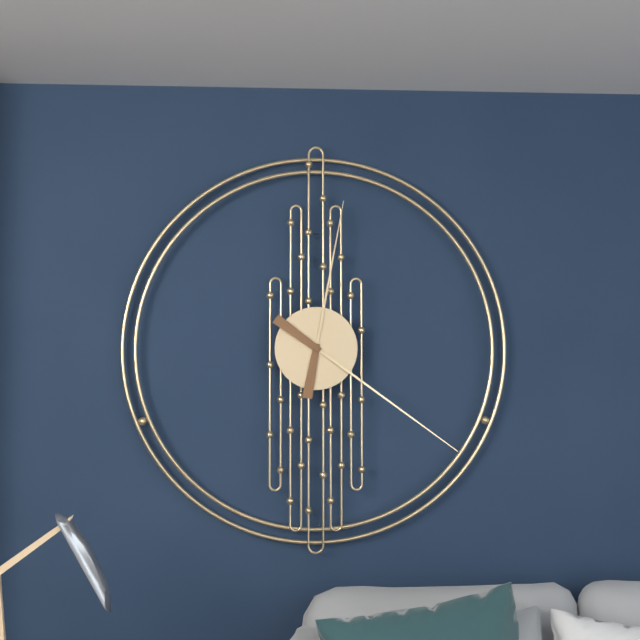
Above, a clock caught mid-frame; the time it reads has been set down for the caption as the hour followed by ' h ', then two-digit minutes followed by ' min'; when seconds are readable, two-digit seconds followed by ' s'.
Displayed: 12 h 21 min
